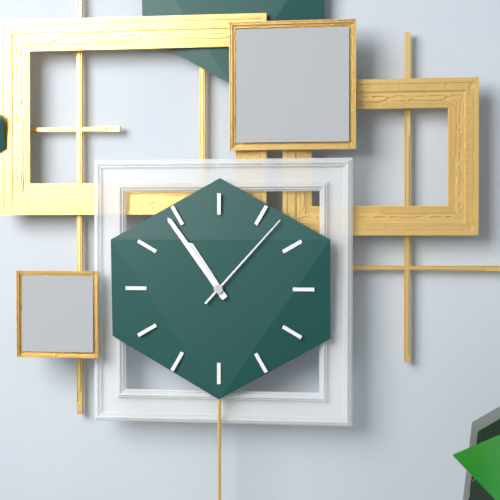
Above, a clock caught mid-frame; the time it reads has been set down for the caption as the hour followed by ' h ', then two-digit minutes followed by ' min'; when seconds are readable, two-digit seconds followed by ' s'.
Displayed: 10 h 54 min 07 s
